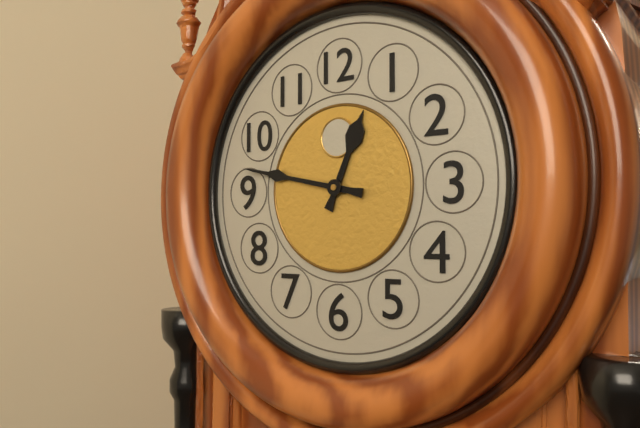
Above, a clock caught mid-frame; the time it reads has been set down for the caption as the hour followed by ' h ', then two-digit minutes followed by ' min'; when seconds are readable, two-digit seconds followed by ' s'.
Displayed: 12 h 47 min
